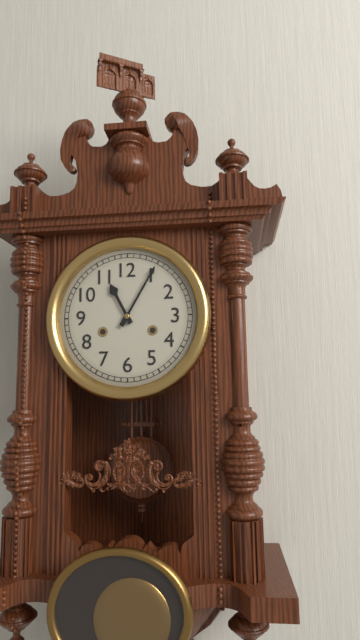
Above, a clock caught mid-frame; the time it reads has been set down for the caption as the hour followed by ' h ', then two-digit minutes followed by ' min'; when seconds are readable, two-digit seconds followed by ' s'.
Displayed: 11 h 05 min
